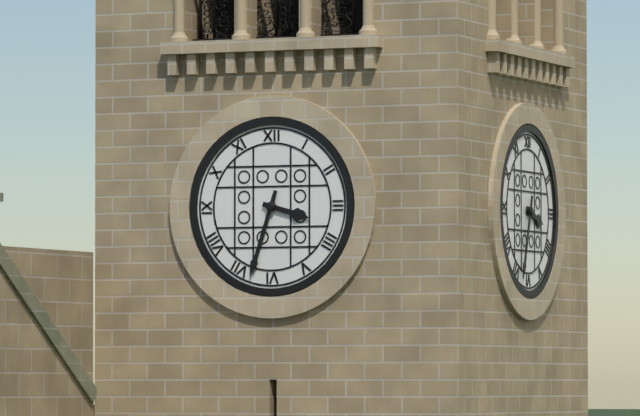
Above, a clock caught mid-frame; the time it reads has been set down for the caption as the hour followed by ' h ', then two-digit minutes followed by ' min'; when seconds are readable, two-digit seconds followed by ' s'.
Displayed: 3 h 33 min
